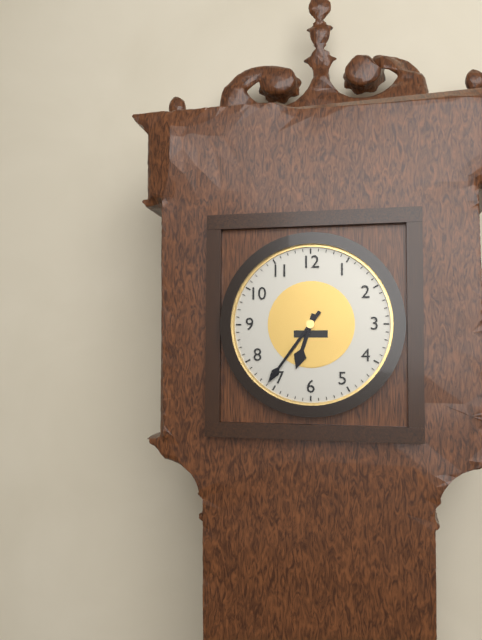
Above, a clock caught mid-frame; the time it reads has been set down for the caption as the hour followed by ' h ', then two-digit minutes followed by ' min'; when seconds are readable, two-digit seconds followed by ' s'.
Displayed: 6 h 36 min
